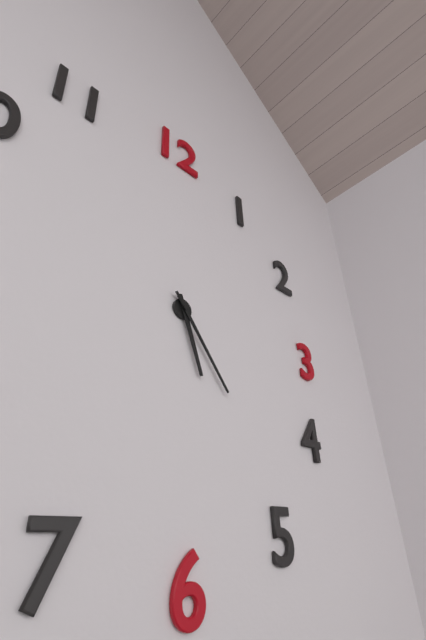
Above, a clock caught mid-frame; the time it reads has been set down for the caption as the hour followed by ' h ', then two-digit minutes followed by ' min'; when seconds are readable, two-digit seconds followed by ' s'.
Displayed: 5 h 24 min
